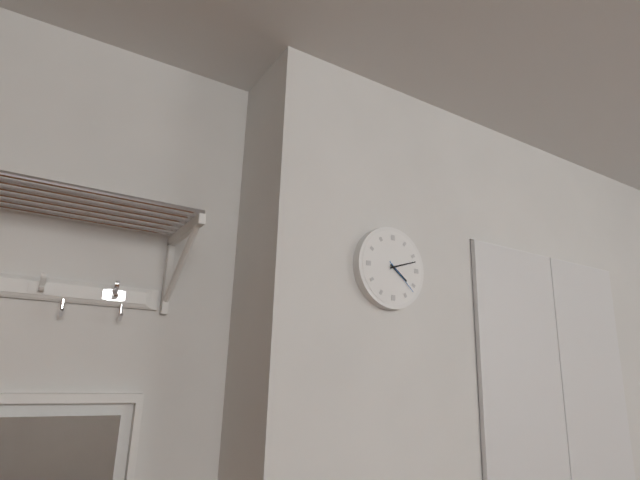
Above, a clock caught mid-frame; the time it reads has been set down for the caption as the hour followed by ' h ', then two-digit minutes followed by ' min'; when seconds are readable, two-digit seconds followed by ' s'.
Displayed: 4 h 12 min
